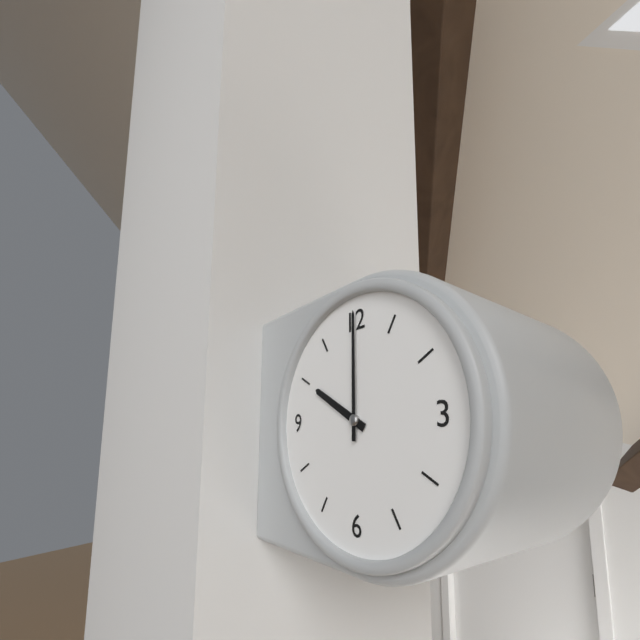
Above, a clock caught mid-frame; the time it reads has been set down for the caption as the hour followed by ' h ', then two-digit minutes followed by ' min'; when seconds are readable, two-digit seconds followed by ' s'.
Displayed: 10 h 00 min
